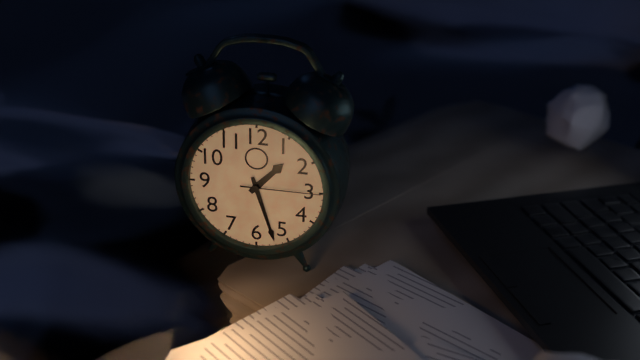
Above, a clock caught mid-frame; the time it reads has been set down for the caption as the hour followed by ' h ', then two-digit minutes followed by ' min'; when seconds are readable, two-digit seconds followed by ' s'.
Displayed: 1 h 27 min 15 s
